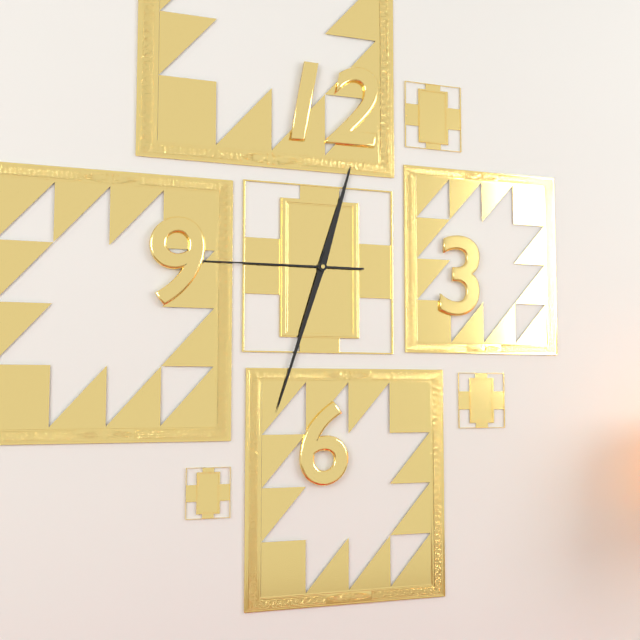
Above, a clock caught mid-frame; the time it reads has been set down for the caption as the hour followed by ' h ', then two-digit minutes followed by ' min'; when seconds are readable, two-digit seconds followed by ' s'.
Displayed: 12 h 33 min 45 s
